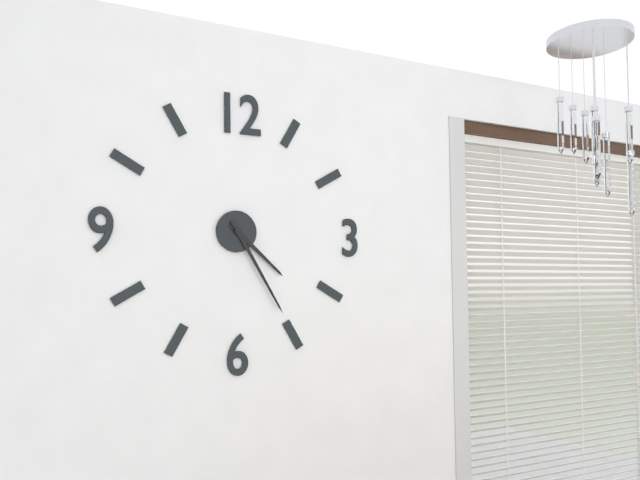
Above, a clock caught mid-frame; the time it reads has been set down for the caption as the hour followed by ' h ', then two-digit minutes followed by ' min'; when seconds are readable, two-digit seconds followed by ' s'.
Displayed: 4 h 25 min
